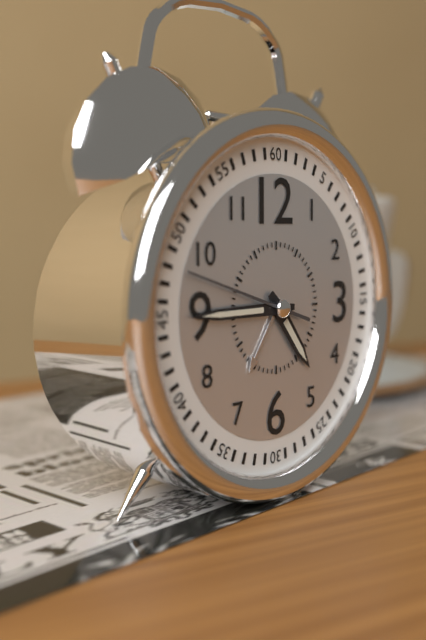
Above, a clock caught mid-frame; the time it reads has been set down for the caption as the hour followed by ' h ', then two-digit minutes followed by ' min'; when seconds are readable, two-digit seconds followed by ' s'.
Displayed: 4 h 45 min 48 s
